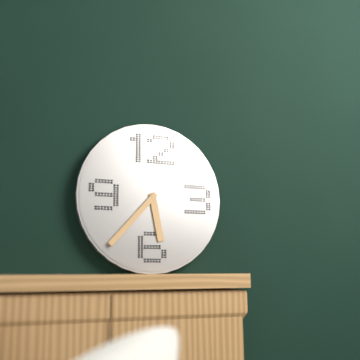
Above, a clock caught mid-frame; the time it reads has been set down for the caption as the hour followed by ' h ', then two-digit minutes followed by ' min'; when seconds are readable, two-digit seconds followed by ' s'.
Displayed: 5 h 37 min
